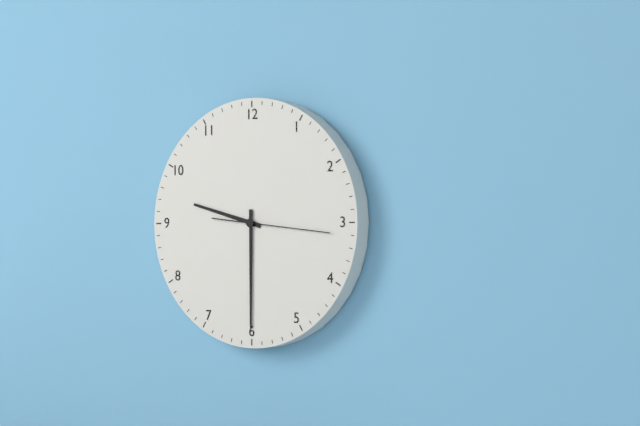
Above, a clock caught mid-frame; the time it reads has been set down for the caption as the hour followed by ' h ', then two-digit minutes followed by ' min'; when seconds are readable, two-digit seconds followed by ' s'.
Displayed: 9 h 30 min 16 s
